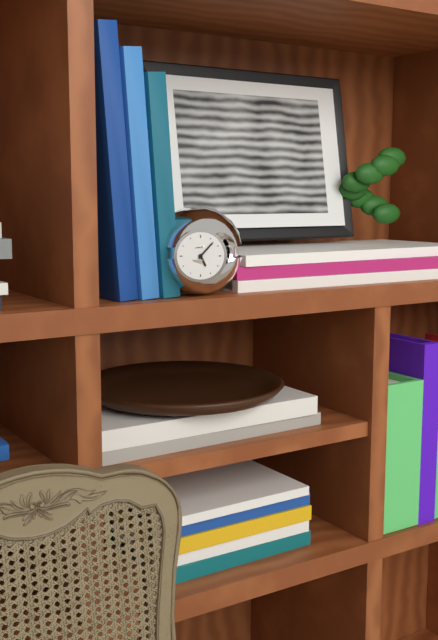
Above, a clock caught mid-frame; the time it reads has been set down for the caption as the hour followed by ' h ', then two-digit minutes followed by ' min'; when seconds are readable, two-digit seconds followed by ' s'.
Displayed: 5 h 07 min
